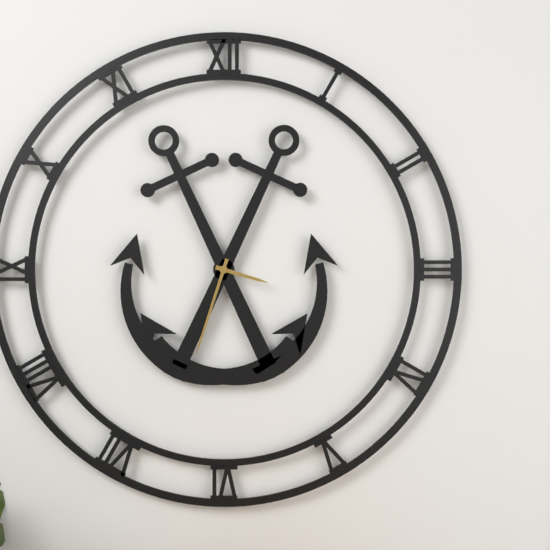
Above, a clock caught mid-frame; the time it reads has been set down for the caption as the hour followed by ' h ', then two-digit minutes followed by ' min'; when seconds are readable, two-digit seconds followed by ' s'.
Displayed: 3 h 33 min
